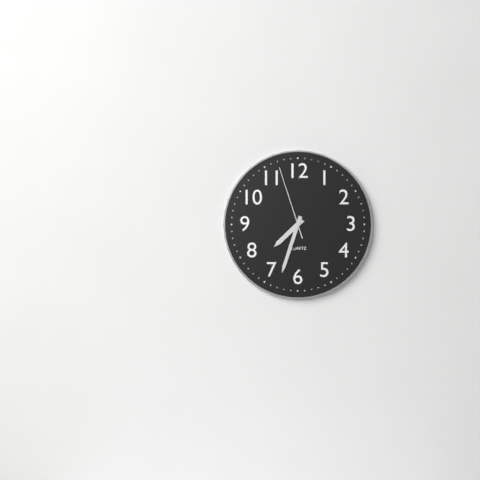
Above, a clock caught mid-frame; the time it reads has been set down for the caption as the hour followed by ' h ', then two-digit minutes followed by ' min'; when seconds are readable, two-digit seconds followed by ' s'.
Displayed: 7 h 33 min 57 s
